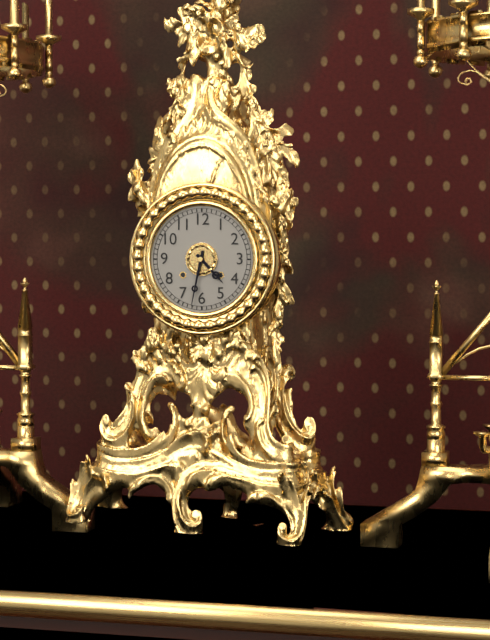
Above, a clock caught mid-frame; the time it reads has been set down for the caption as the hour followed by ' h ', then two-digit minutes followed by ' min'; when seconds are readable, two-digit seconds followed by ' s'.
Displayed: 4 h 32 min
